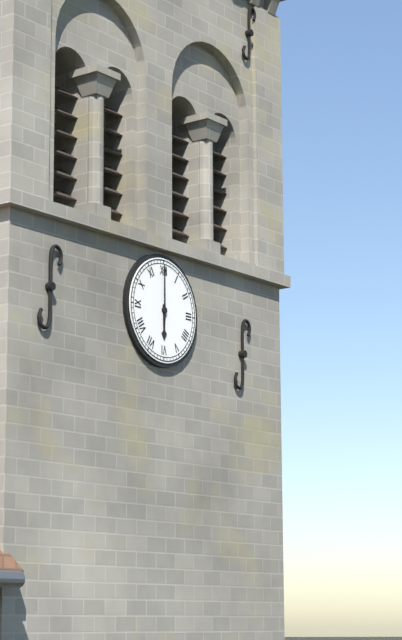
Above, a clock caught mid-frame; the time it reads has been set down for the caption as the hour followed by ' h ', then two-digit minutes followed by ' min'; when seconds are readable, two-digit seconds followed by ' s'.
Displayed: 6 h 00 min
